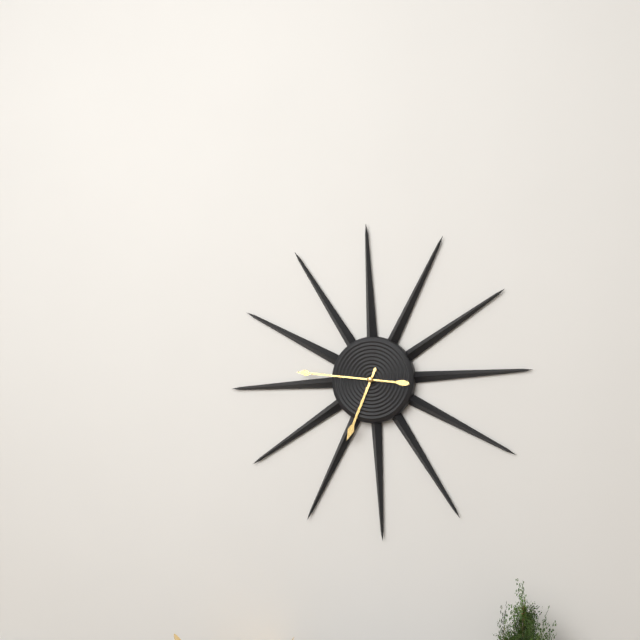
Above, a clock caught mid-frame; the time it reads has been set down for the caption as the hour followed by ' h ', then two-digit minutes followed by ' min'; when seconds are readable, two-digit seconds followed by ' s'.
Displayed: 6 h 46 min
